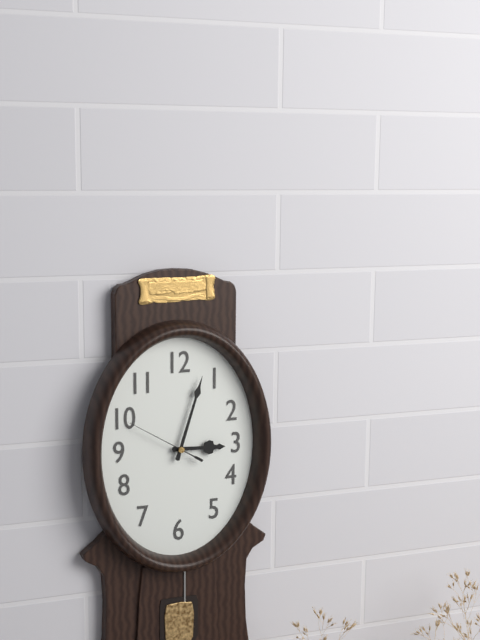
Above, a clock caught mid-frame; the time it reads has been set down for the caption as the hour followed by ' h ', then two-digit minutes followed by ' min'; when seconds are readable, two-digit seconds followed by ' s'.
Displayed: 3 h 03 min 50 s
